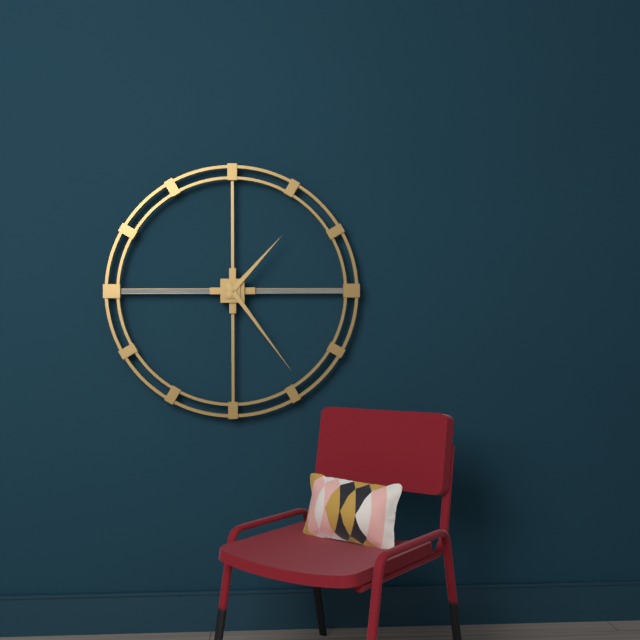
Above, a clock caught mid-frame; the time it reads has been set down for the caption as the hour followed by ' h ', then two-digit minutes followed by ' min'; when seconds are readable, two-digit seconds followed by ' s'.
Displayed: 1 h 24 min
